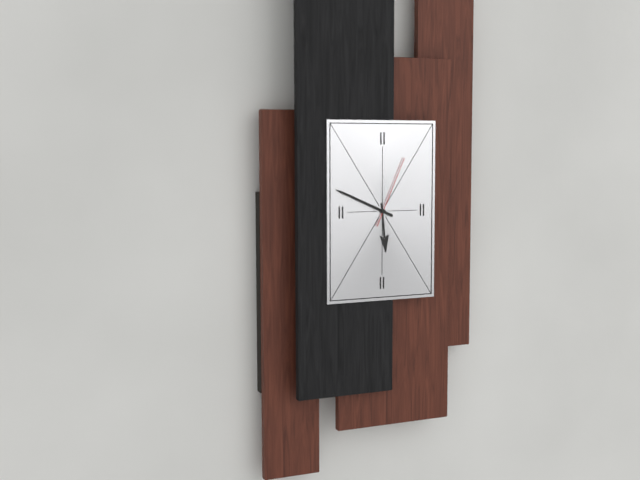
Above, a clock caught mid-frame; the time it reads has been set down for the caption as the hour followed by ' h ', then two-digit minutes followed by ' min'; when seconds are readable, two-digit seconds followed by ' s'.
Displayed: 5 h 49 min 04 s
